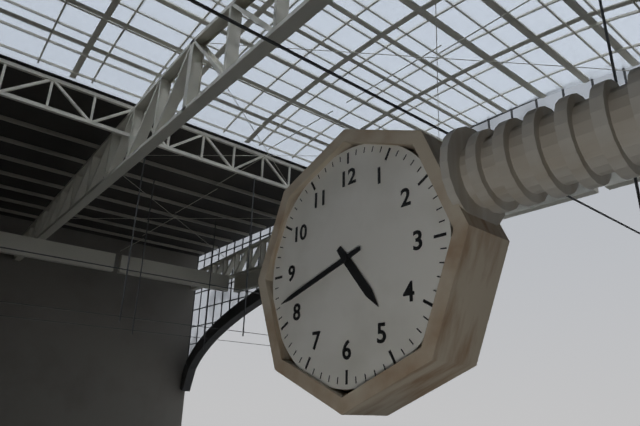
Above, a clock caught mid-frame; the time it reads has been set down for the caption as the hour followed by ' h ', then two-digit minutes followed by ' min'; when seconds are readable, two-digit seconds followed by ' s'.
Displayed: 4 h 42 min
